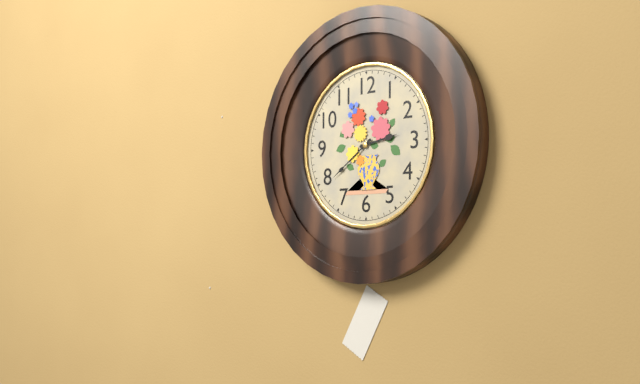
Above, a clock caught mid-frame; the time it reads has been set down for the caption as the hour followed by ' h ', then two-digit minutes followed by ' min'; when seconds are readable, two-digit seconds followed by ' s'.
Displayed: 2 h 39 min
